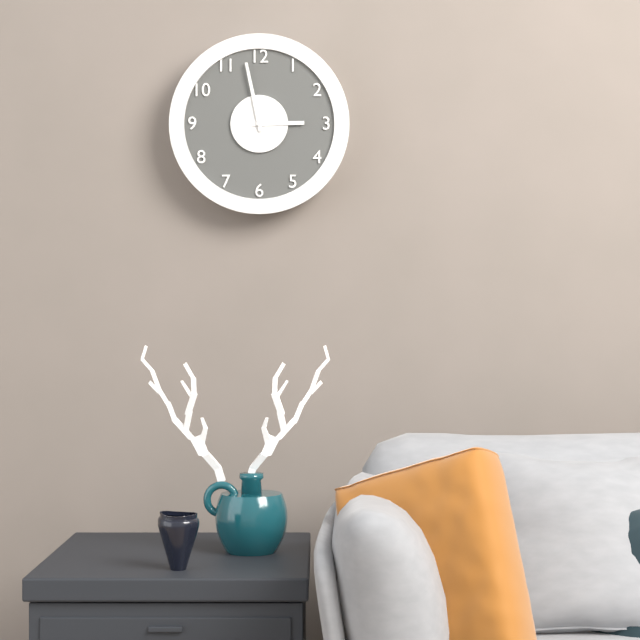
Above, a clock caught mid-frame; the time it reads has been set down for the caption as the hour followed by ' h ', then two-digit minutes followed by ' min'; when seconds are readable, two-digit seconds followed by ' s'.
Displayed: 2 h 58 min
